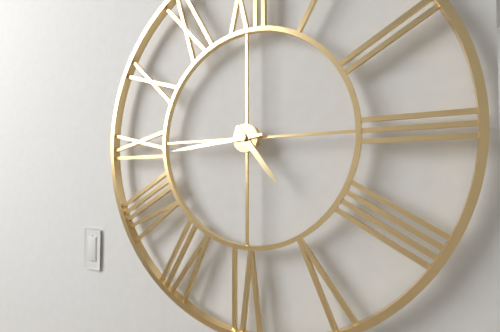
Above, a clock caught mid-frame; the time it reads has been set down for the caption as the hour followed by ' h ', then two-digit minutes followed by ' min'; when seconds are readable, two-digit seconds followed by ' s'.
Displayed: 4 h 44 min
